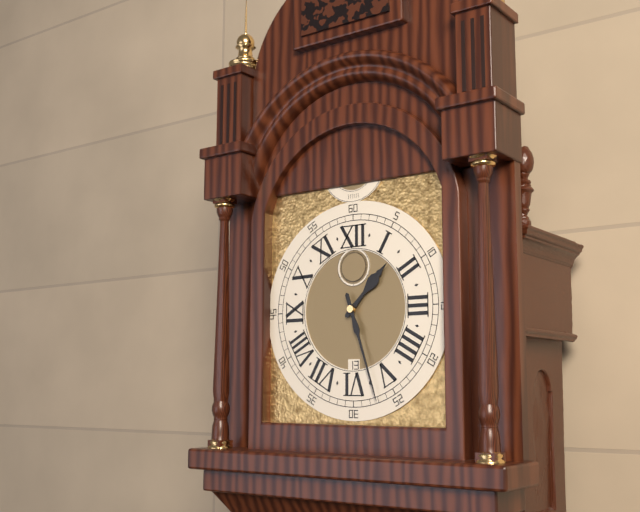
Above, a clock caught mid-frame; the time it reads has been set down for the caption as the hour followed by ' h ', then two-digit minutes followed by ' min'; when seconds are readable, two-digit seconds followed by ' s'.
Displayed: 1 h 27 min
